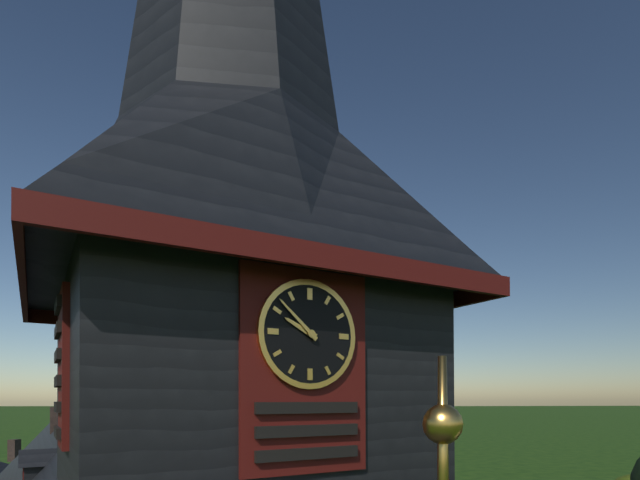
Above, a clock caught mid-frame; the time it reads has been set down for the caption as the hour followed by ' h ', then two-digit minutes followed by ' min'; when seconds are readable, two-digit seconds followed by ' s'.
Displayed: 9 h 52 min
